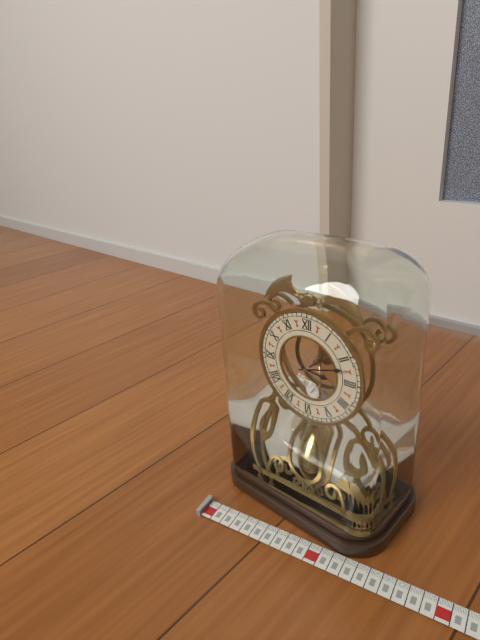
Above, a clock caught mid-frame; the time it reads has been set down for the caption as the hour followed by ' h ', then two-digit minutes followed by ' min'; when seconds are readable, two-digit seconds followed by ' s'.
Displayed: 3 h 12 min
